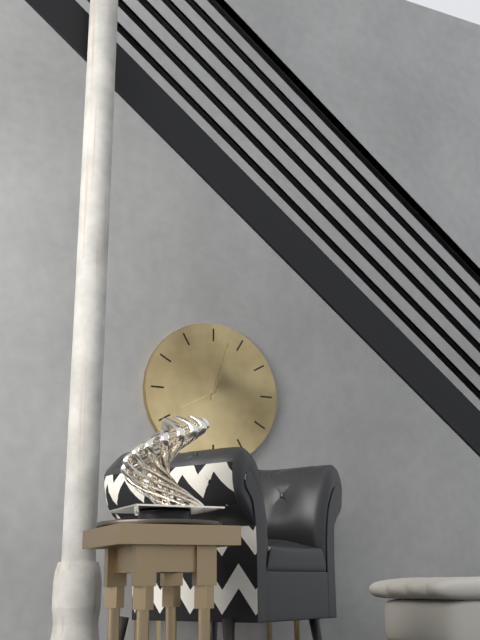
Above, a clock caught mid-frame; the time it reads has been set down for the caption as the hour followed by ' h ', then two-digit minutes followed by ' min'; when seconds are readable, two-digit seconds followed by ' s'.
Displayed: 8 h 03 min
